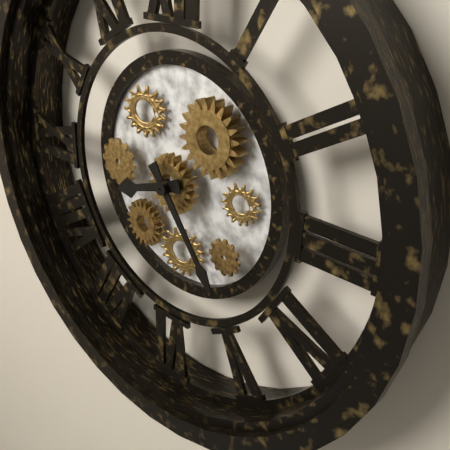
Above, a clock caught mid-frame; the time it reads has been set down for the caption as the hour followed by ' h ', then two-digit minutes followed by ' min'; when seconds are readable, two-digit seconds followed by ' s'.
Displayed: 8 h 24 min
